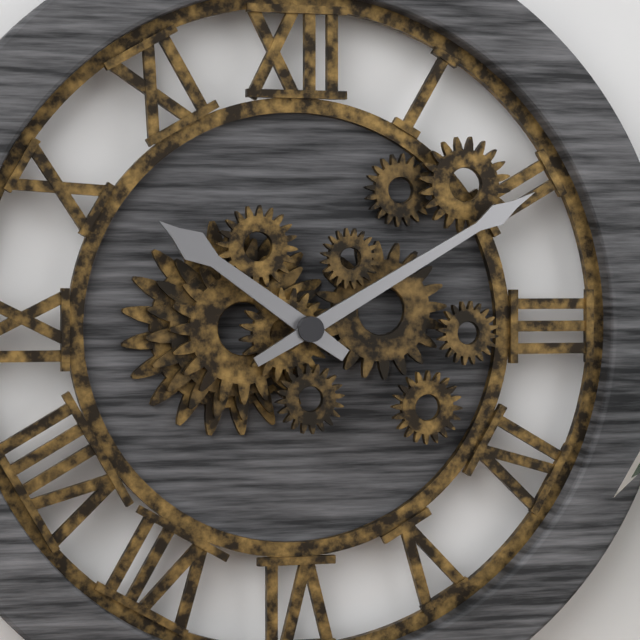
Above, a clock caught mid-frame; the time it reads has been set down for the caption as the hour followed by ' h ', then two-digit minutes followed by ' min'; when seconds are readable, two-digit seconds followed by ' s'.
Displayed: 10 h 10 min
